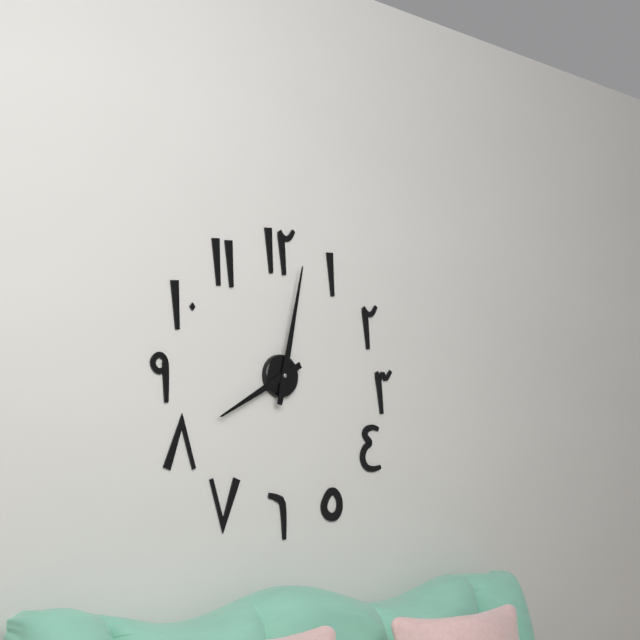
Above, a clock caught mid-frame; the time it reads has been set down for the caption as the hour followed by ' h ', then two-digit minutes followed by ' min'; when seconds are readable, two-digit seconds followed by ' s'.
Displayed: 8 h 02 min
